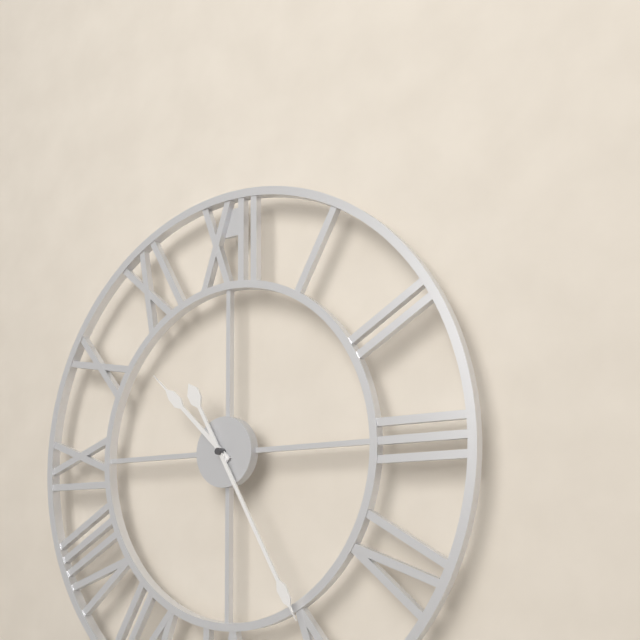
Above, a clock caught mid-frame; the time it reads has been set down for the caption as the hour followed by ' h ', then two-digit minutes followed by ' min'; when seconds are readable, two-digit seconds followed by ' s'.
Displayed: 10 h 25 min
